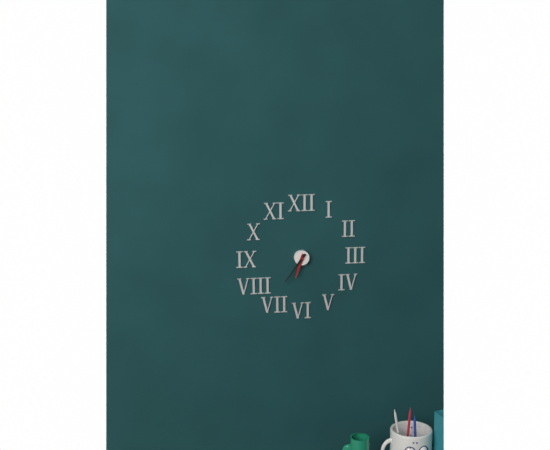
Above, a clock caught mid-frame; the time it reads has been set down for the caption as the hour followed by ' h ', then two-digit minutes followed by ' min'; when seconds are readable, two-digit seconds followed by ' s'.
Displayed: 6 h 36 min
